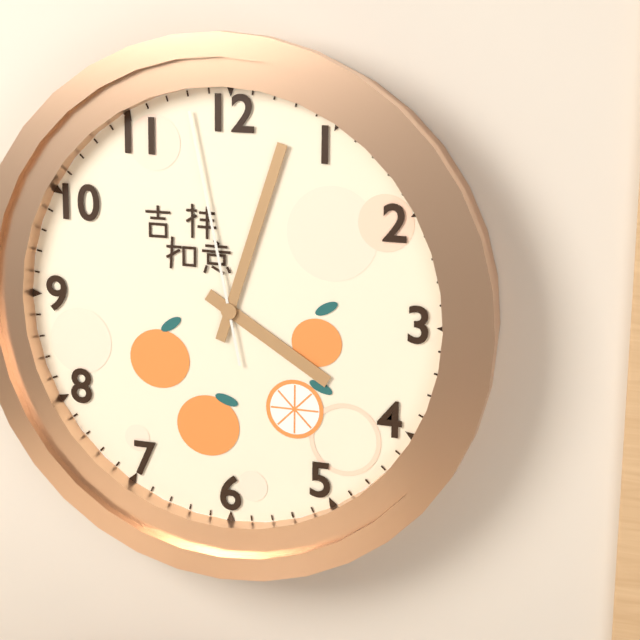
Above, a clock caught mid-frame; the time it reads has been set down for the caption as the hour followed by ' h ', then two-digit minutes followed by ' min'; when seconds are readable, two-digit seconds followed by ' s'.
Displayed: 4 h 03 min 58 s
